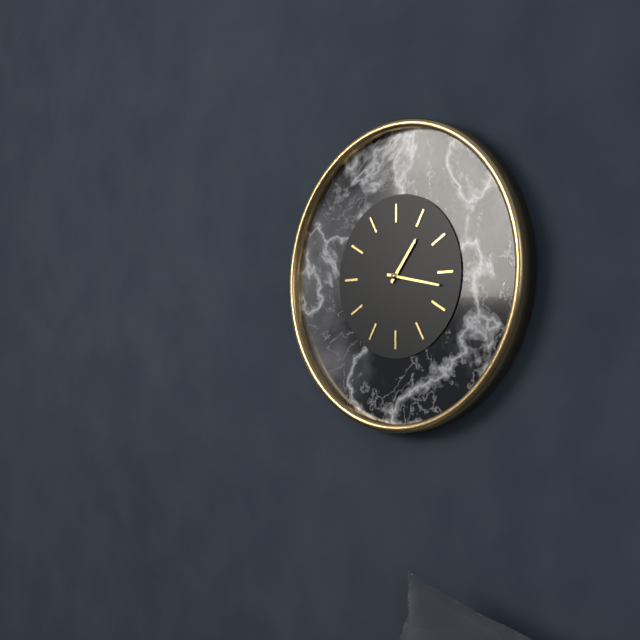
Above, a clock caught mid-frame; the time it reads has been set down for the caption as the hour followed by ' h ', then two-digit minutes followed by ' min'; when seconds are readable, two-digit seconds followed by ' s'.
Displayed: 1 h 17 min
